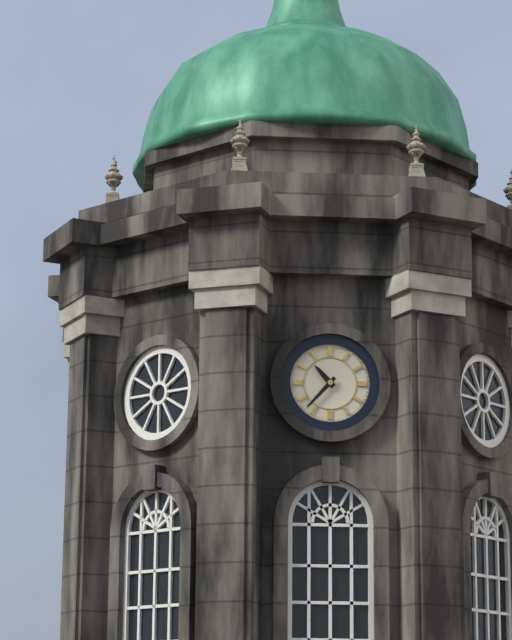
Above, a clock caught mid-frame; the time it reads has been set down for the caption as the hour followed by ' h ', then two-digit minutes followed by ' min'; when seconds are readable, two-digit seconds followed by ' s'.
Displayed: 10 h 37 min
